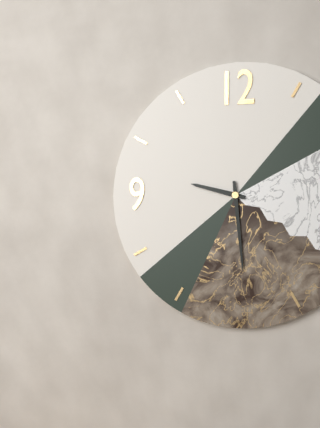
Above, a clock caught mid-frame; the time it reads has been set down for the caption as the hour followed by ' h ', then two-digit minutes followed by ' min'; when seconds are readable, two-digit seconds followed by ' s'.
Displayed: 9 h 29 min
